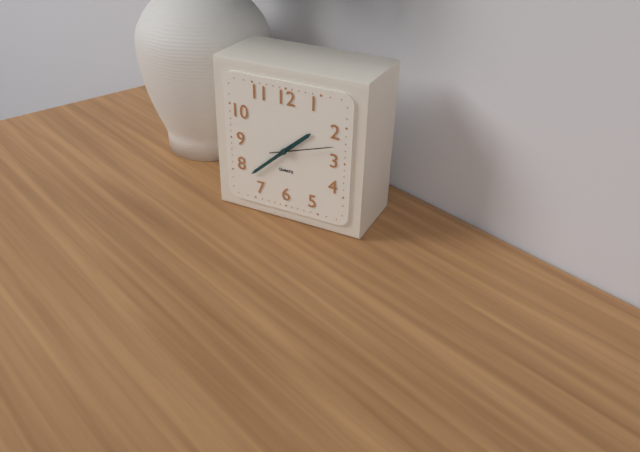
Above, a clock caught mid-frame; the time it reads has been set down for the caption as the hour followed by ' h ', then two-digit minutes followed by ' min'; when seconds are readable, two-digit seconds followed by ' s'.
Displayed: 1 h 38 min 12 s
